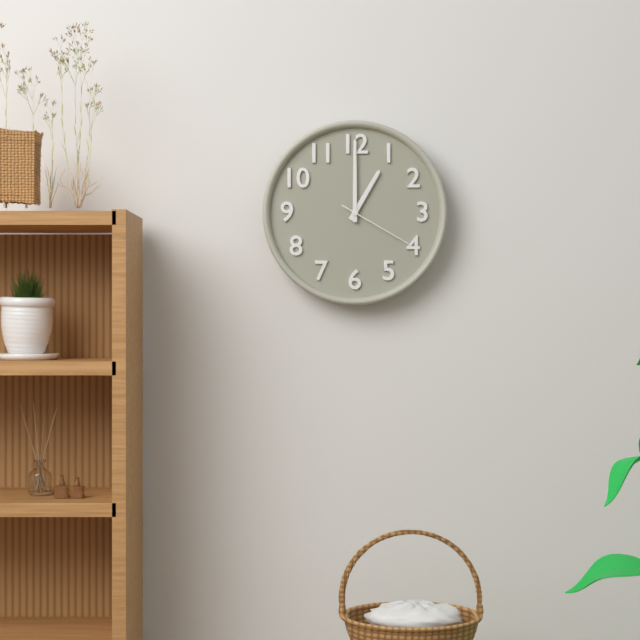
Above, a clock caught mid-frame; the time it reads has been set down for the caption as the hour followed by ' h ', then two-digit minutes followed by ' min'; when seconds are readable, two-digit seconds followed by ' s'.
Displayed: 1 h 00 min 20 s
